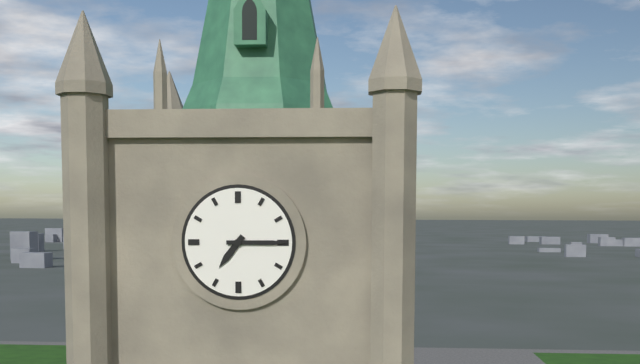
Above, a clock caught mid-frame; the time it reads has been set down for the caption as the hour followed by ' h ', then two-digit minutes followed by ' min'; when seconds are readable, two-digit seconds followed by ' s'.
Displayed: 7 h 15 min
